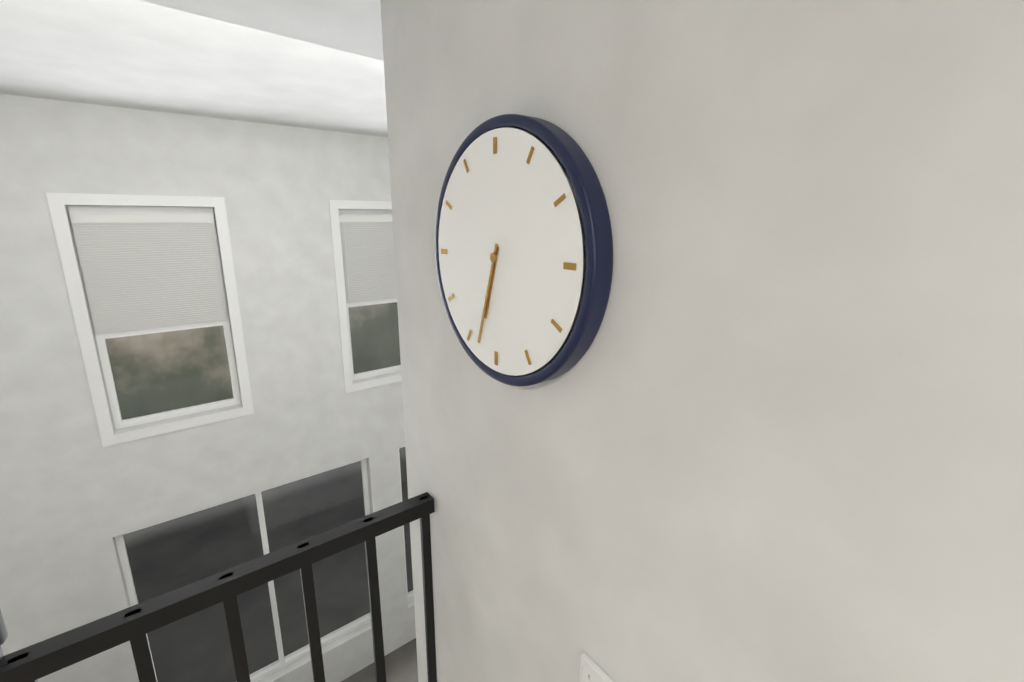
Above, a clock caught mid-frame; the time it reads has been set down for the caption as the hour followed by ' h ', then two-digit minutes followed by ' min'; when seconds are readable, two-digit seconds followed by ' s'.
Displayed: 6 h 33 min
